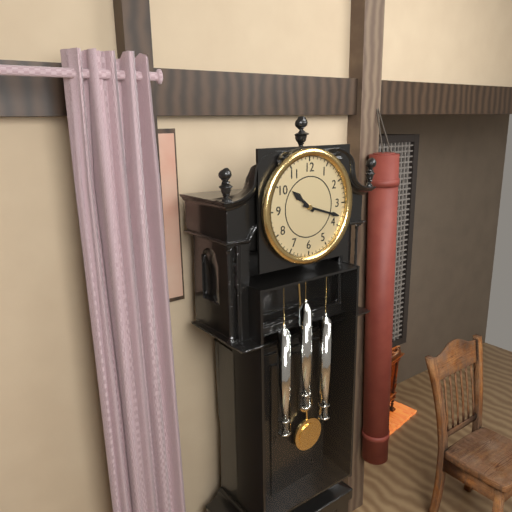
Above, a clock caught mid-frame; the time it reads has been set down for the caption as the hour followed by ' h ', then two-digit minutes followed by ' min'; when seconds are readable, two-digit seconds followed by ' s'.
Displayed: 10 h 18 min
